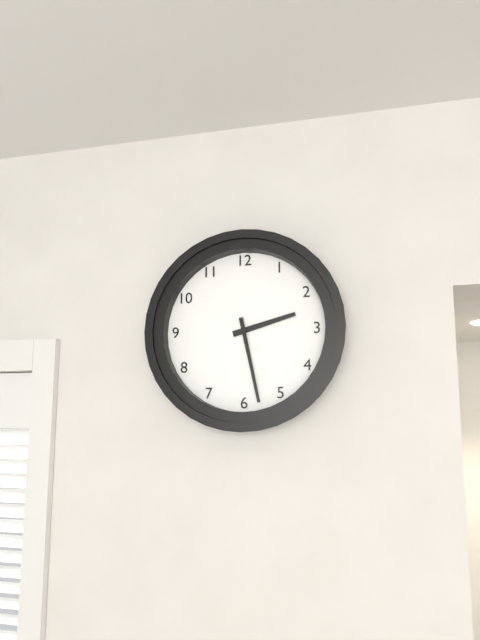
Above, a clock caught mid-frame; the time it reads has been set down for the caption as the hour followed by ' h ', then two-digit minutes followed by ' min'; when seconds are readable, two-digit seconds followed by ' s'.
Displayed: 2 h 28 min
